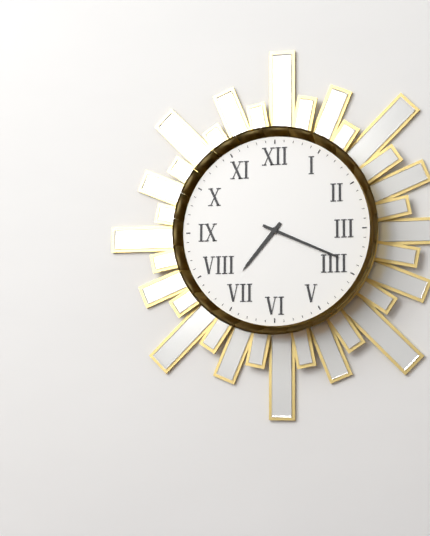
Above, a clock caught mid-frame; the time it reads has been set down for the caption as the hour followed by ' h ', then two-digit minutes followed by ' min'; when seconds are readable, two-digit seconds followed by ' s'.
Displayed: 7 h 19 min
